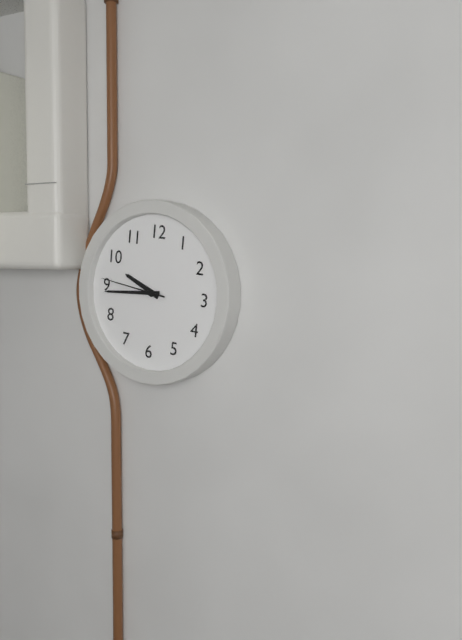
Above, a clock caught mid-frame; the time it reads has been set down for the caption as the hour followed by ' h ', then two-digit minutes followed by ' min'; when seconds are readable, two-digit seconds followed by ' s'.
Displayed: 9 h 44 min 46 s
